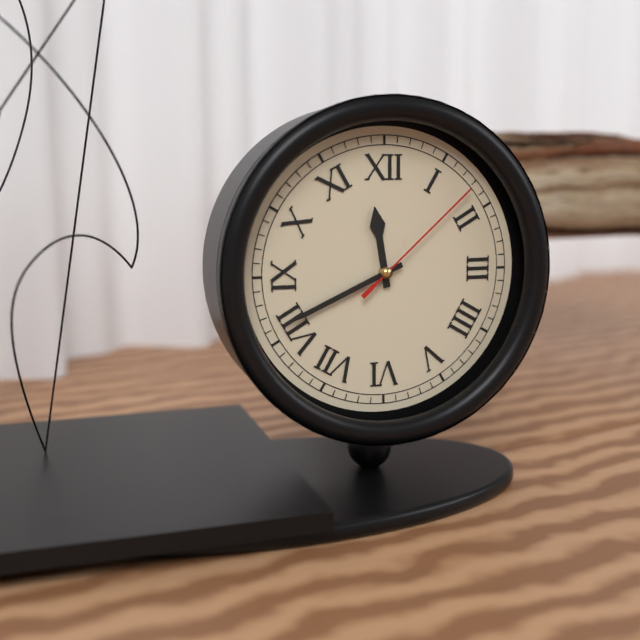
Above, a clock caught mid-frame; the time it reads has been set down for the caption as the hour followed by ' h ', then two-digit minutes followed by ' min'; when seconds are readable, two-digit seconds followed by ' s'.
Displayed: 11 h 41 min 08 s
